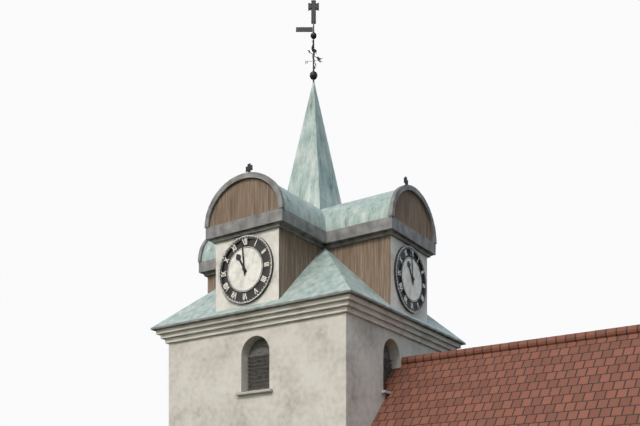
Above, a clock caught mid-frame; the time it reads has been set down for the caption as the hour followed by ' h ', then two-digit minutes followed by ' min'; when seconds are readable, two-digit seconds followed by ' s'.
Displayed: 10 h 59 min
